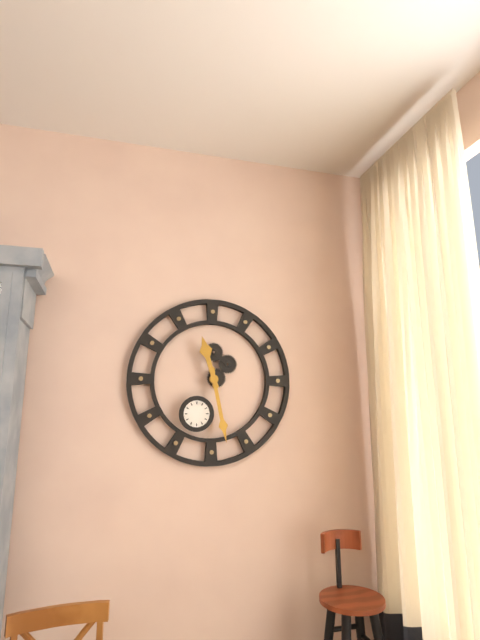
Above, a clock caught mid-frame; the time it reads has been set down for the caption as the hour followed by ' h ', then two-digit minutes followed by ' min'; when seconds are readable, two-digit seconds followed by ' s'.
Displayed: 11 h 28 min
